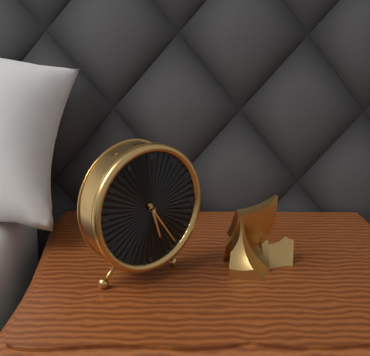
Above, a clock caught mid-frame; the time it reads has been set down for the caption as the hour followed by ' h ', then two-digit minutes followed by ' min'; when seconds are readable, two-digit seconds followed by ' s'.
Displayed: 5 h 24 min
